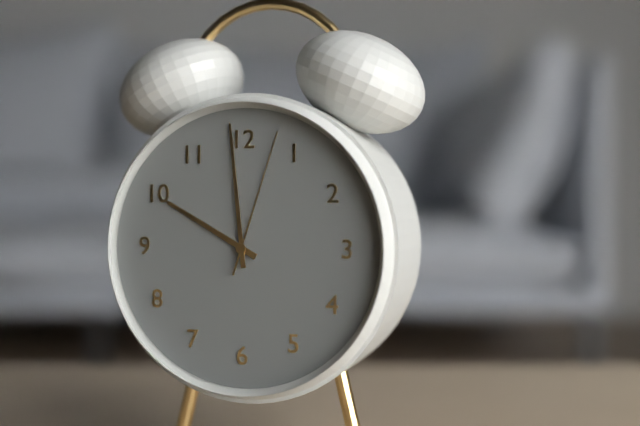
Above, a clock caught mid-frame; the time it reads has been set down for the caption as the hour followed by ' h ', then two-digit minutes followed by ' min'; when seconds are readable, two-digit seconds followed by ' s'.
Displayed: 9 h 59 min 03 s
